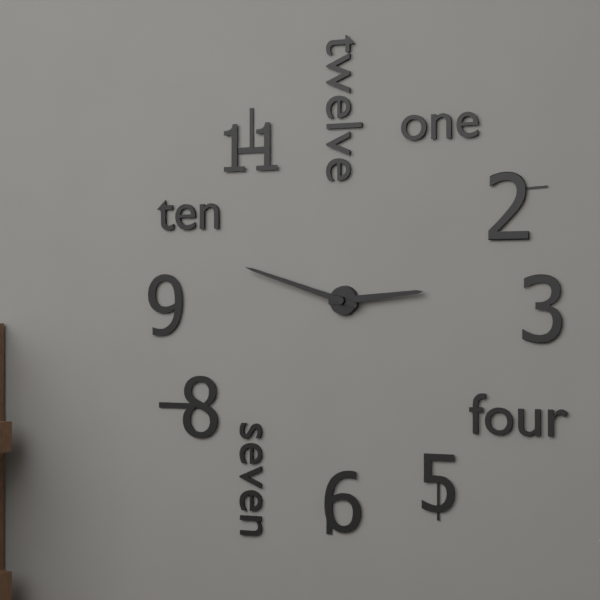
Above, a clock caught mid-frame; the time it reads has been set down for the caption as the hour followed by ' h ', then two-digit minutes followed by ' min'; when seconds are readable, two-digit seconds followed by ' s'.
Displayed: 2 h 48 min
